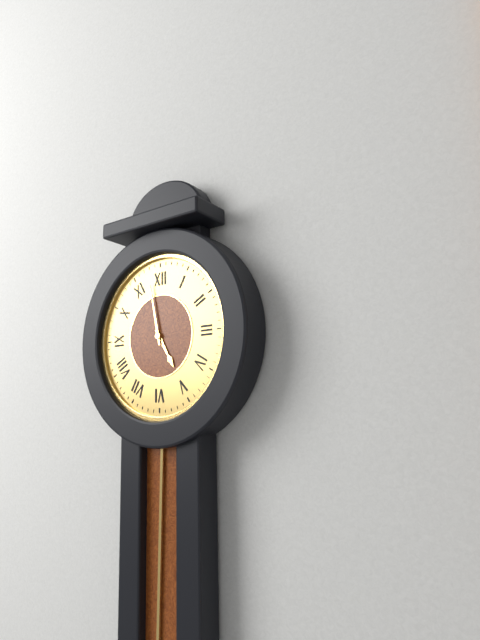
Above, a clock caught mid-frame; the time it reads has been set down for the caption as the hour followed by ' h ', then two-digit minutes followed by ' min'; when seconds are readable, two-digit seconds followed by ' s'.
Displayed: 4 h 58 min
